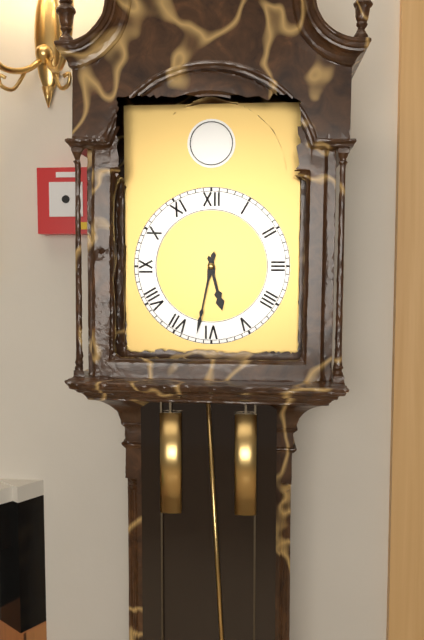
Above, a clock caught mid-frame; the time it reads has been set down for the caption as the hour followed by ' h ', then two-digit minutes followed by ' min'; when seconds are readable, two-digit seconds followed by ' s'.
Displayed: 5 h 32 min
